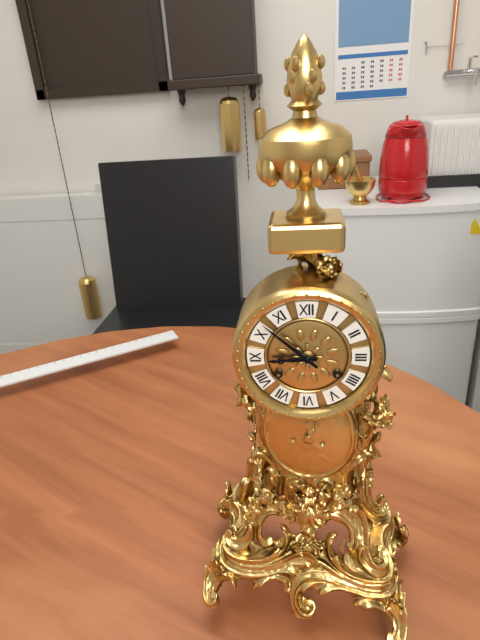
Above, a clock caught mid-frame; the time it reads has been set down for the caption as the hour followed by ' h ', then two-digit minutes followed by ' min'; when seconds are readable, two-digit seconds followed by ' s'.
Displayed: 8 h 52 min
